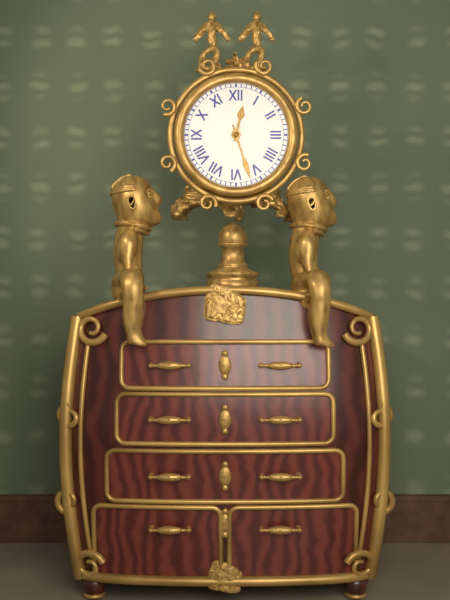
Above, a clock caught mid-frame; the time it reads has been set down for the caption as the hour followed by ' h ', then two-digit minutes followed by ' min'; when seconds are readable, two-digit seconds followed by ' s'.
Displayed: 12 h 27 min
